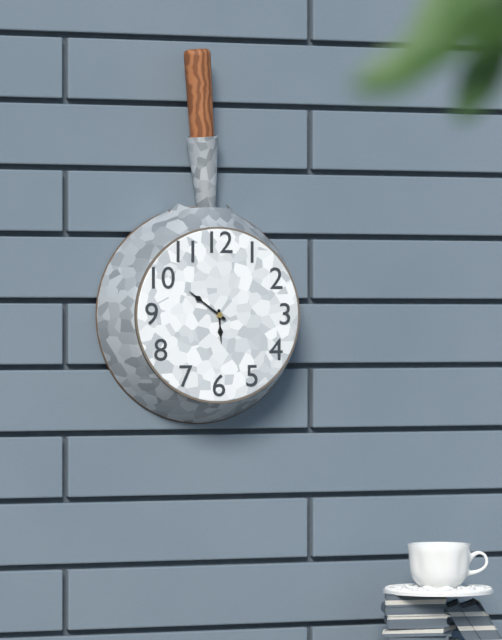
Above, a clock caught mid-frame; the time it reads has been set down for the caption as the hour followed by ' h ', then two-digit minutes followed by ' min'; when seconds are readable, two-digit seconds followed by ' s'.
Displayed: 5 h 51 min
